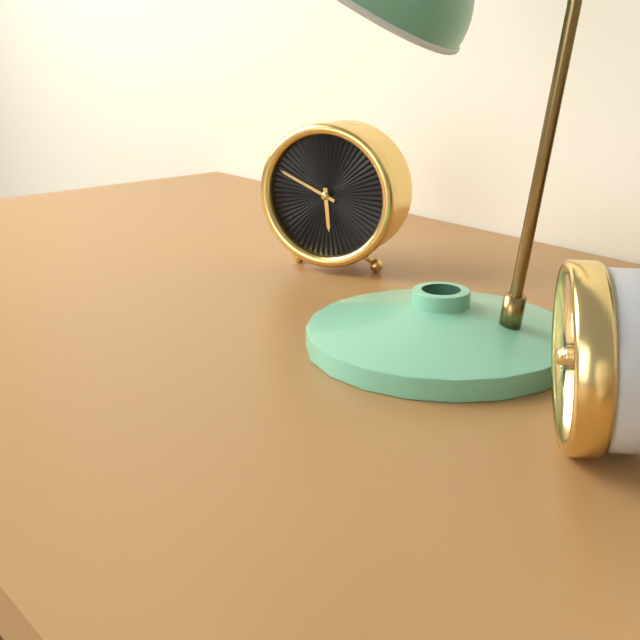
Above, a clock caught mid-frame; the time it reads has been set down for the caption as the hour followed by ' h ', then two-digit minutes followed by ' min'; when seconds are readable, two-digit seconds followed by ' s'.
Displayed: 5 h 49 min
